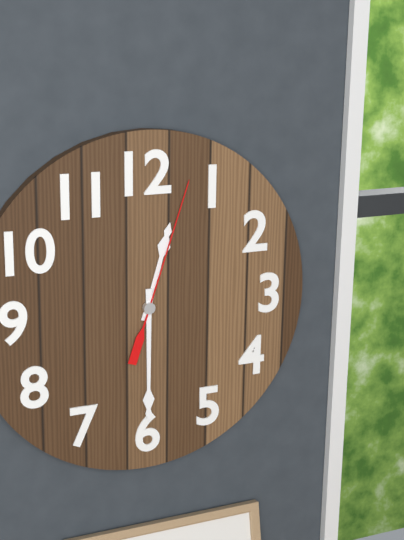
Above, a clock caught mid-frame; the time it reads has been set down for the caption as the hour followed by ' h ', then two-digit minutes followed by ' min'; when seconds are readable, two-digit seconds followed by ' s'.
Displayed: 12 h 30 min 03 s
